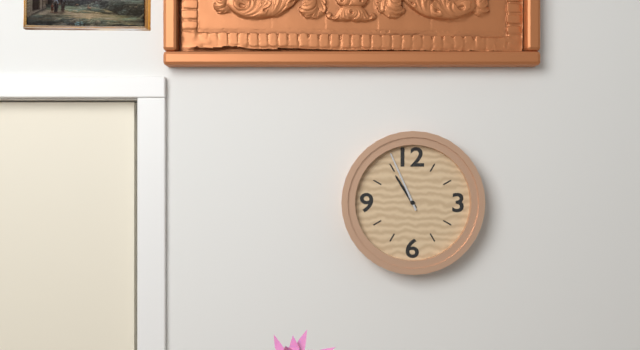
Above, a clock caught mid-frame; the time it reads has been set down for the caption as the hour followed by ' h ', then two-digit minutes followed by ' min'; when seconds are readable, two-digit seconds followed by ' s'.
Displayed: 10 h 56 min
